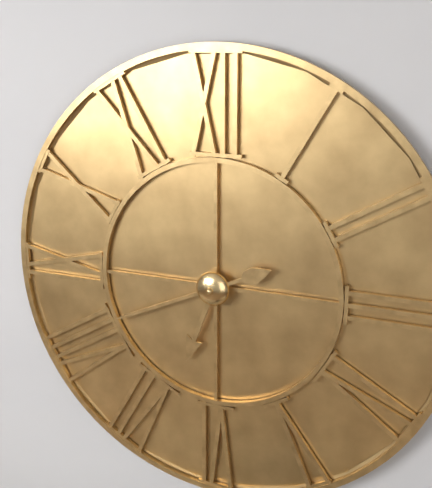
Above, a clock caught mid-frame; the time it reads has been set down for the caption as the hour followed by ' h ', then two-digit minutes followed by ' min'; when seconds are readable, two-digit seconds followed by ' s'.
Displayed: 6 h 41 min
